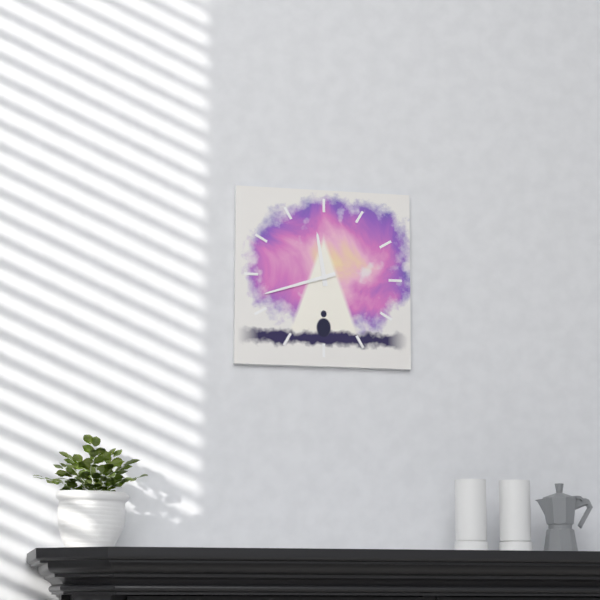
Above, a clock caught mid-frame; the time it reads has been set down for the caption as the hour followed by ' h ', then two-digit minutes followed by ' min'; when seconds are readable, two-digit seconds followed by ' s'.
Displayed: 11 h 42 min
